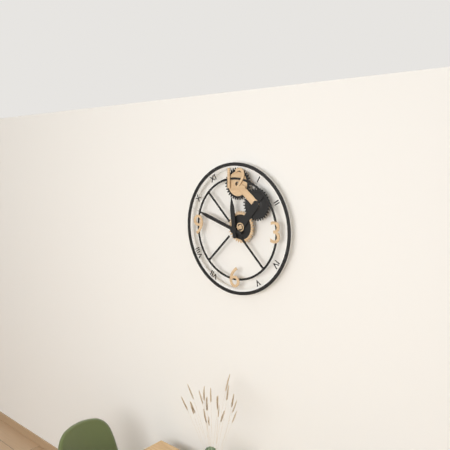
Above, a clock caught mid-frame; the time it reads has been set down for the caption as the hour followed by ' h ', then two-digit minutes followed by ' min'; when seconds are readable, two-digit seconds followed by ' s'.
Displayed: 11 h 48 min
